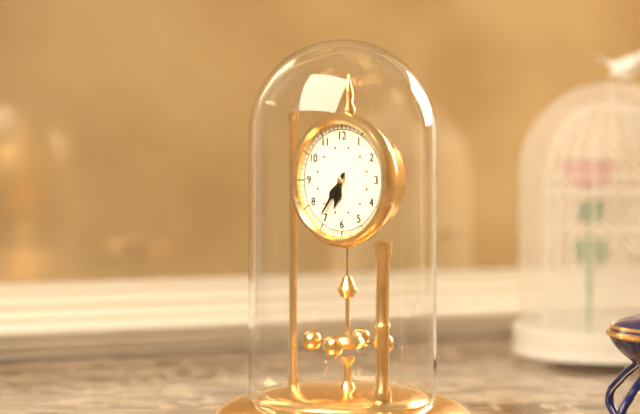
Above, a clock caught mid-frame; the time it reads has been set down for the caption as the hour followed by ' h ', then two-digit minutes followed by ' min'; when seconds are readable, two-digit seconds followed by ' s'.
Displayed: 6 h 36 min
